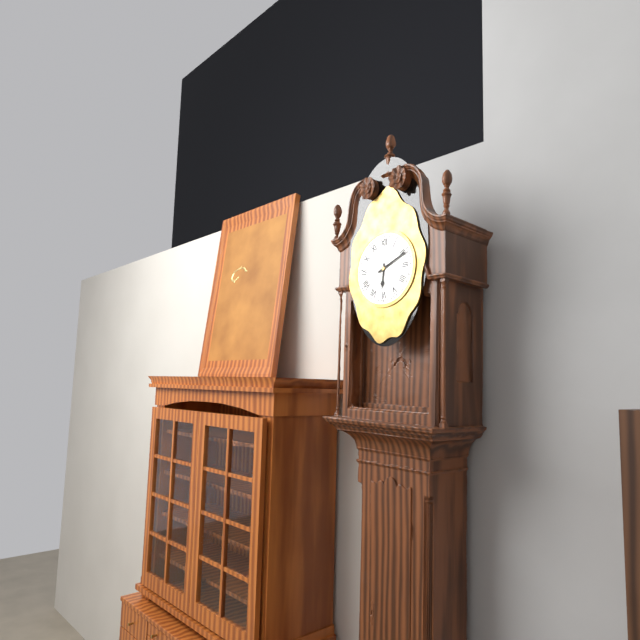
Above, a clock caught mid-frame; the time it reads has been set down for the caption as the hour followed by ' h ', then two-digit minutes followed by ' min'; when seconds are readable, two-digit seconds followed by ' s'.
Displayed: 6 h 11 min
